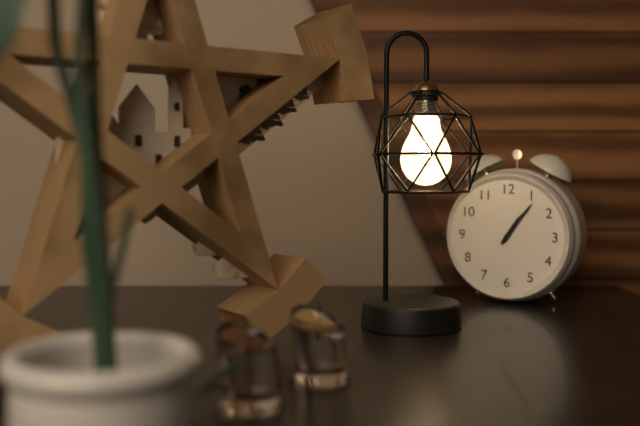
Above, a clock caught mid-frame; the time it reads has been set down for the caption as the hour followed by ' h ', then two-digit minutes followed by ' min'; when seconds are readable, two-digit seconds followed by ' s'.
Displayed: 1 h 06 min
